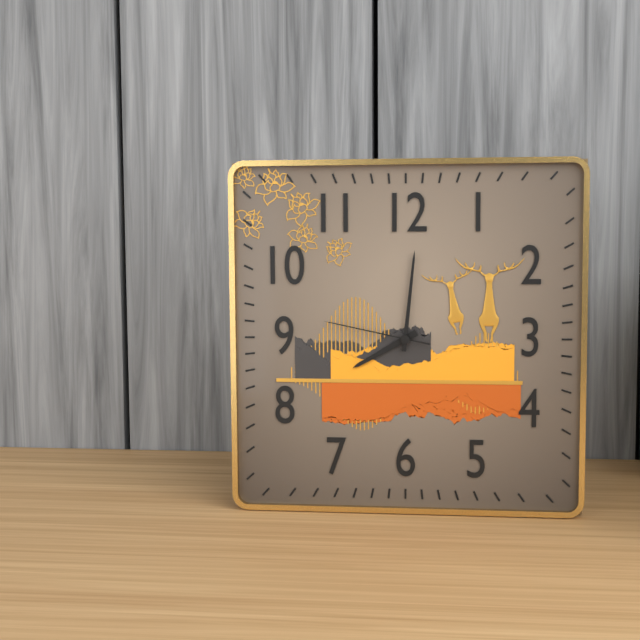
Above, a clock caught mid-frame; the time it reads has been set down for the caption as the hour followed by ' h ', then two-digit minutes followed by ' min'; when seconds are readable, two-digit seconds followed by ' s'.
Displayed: 8 h 01 min 47 s
